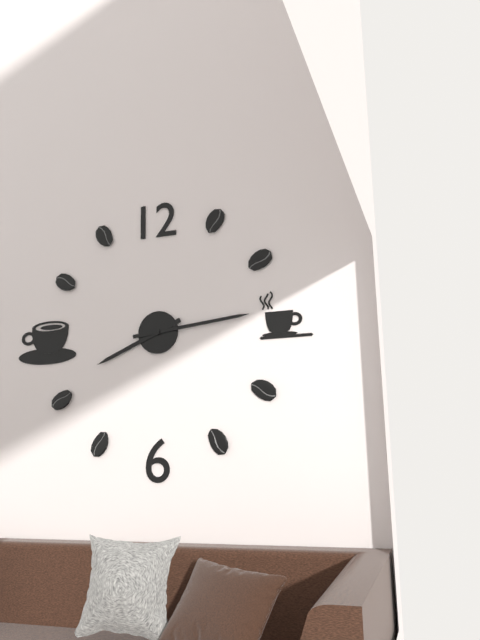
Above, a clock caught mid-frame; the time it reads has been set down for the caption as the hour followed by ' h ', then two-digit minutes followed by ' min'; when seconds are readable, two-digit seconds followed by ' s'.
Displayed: 8 h 14 min
